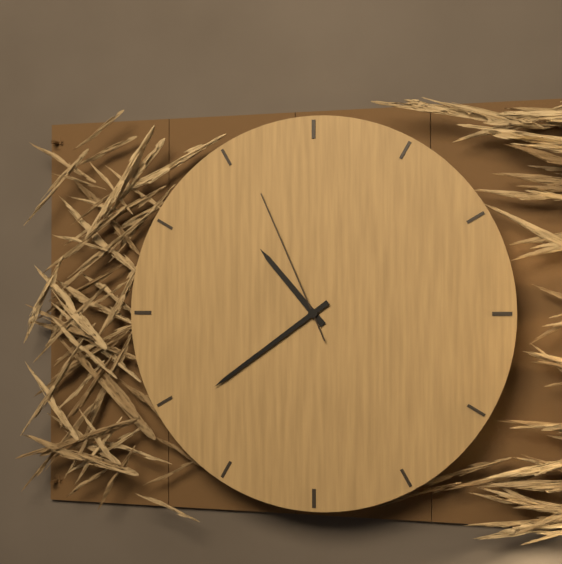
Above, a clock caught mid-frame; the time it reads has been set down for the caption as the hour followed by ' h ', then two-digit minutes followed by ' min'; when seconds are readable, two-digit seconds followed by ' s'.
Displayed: 10 h 39 min 56 s
